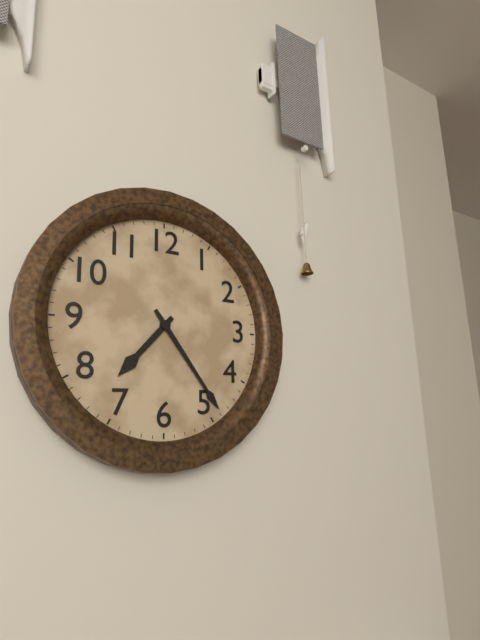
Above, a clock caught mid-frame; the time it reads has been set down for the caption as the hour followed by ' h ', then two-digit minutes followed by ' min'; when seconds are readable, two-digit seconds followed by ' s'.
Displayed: 7 h 24 min
